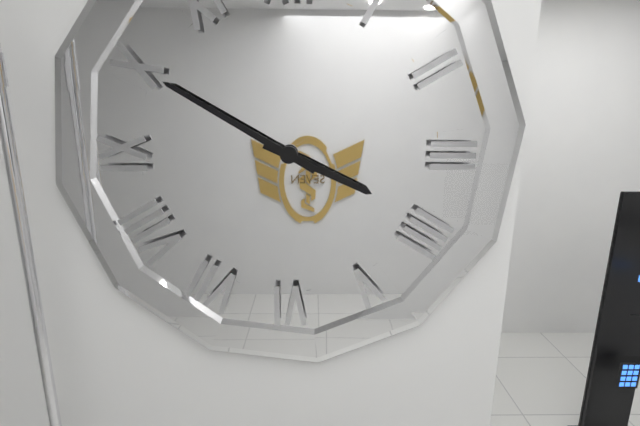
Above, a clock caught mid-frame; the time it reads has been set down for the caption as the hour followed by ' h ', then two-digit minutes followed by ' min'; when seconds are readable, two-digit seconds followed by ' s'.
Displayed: 3 h 50 min
